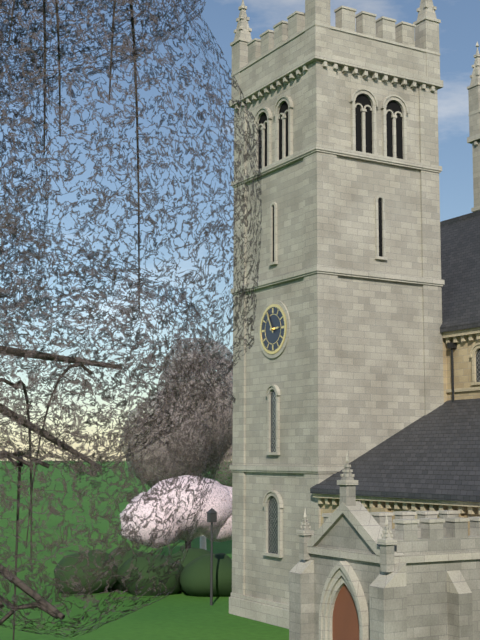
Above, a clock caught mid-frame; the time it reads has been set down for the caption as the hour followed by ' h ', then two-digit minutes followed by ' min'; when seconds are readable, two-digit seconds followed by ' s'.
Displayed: 2 h 55 min
